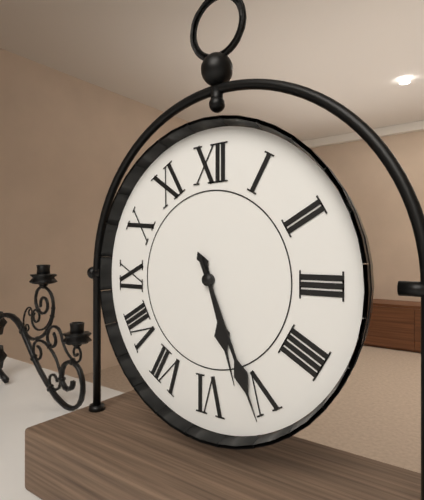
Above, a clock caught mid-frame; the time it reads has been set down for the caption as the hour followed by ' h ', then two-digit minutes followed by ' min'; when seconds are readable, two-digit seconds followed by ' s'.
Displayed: 5 h 26 min
